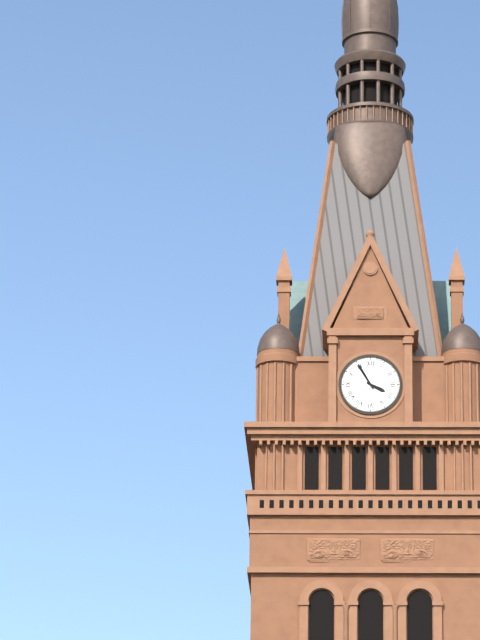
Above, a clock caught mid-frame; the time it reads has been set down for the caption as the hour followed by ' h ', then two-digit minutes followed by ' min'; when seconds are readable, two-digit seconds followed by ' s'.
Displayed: 3 h 55 min
